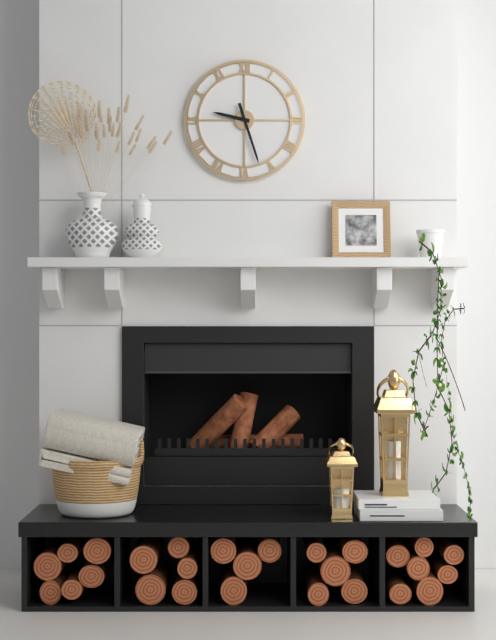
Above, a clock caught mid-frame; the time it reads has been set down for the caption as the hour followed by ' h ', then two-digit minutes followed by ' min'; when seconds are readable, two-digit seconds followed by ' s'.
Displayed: 9 h 27 min
